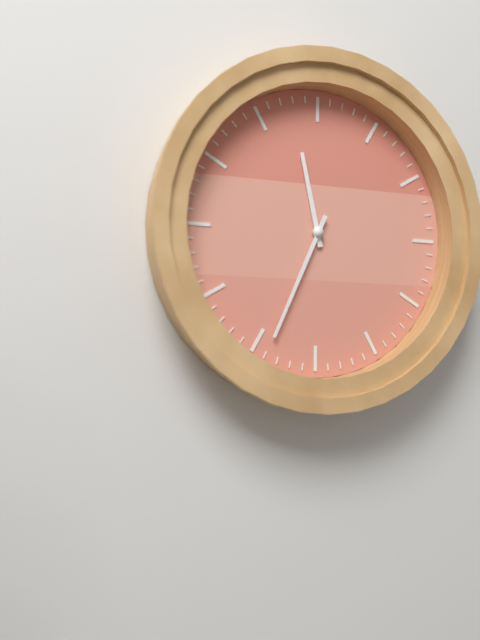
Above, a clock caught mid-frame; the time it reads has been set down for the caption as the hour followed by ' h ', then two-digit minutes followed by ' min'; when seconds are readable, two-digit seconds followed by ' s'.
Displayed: 11 h 34 min
